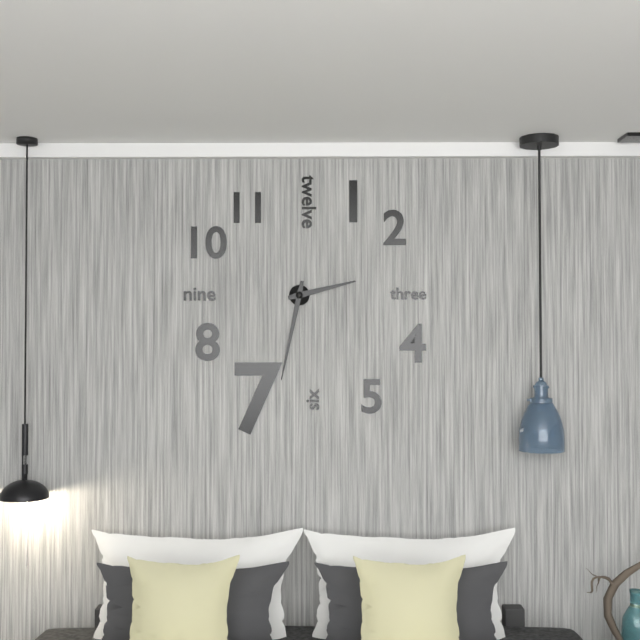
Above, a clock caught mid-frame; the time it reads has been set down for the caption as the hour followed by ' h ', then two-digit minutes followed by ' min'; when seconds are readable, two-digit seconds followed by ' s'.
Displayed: 2 h 32 min
